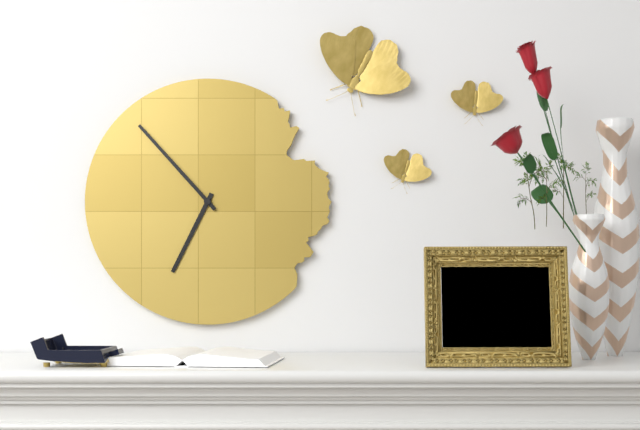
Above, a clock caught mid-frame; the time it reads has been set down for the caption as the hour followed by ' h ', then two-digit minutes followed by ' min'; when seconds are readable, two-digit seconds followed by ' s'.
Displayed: 6 h 53 min
